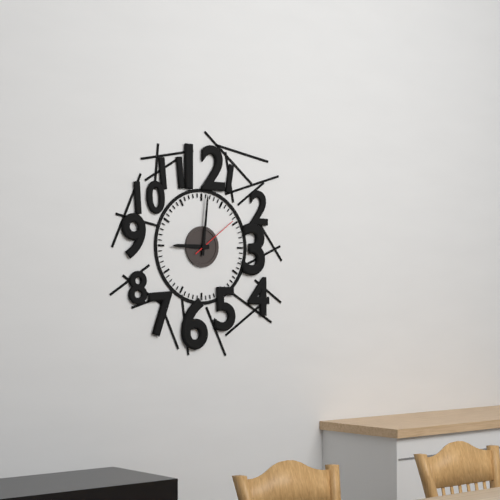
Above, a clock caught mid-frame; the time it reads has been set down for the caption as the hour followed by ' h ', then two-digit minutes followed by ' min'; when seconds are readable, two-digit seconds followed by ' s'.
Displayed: 9 h 01 min 09 s
